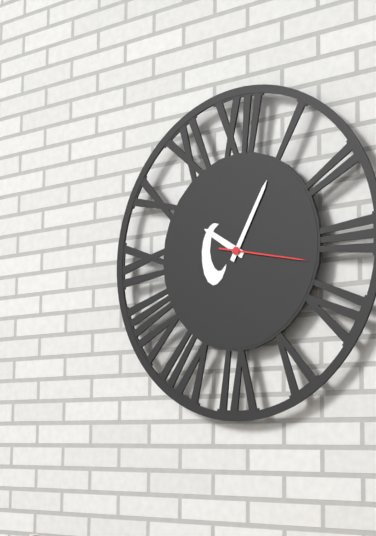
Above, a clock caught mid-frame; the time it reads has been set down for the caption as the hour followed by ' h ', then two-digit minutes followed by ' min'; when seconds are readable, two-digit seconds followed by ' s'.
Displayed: 10 h 05 min 17 s
